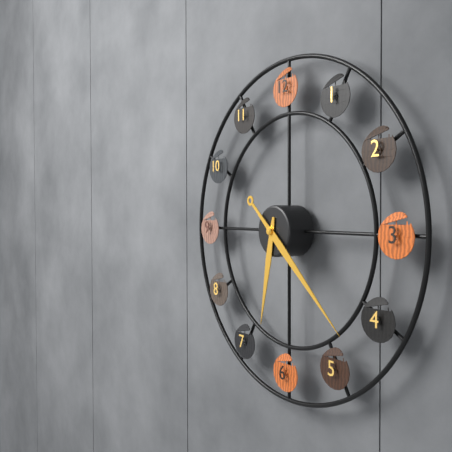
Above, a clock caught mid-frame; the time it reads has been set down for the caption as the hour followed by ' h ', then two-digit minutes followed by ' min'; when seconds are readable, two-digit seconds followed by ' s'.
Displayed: 6 h 22 min
